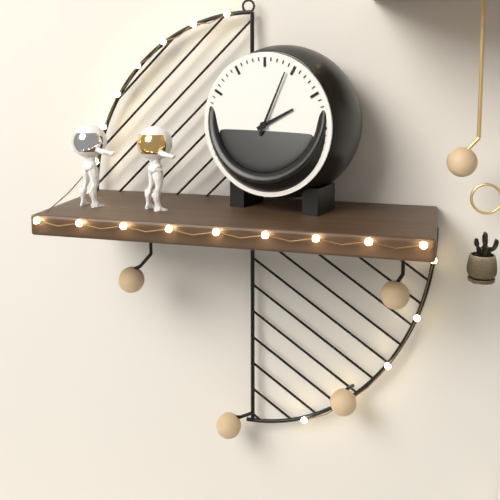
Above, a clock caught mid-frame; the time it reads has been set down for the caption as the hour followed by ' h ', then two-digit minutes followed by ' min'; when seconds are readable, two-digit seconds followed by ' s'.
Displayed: 2 h 04 min
